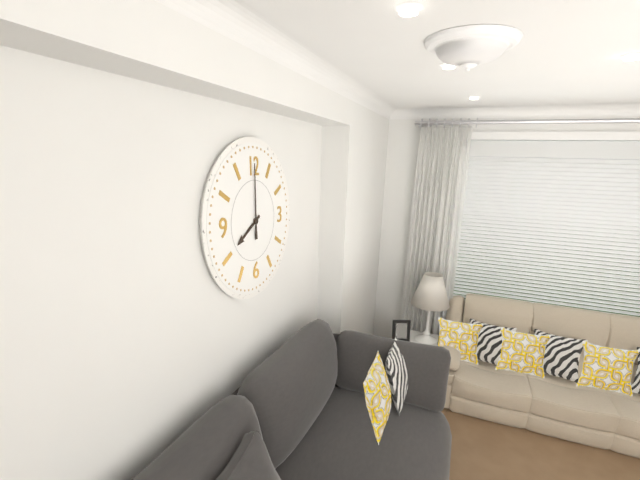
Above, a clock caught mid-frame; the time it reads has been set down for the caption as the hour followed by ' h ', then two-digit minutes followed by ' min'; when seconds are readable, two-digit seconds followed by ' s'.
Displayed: 8 h 00 min
